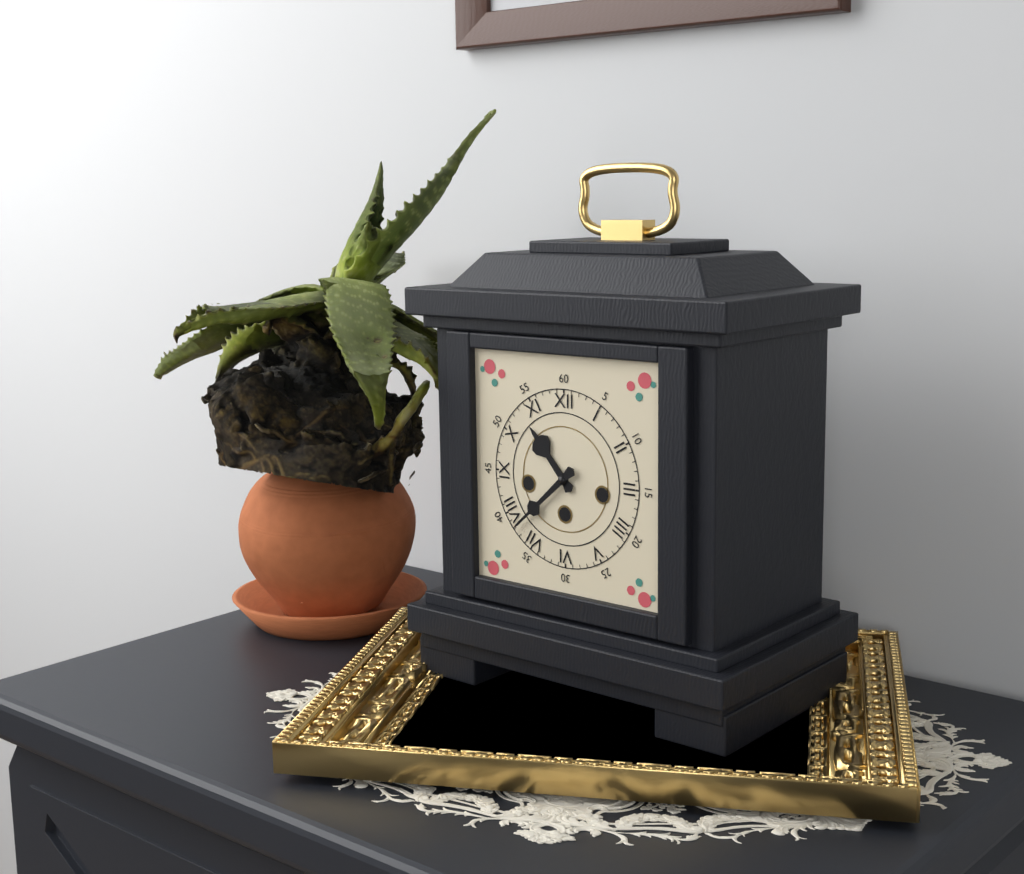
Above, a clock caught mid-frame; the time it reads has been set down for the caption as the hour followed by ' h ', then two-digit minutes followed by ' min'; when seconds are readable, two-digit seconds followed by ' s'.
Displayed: 10 h 38 min
